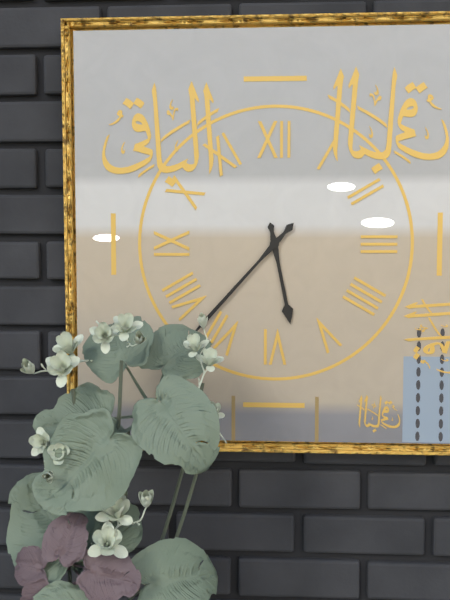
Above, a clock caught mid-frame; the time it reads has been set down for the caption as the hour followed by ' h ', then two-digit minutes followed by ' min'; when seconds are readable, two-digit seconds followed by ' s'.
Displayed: 5 h 37 min
